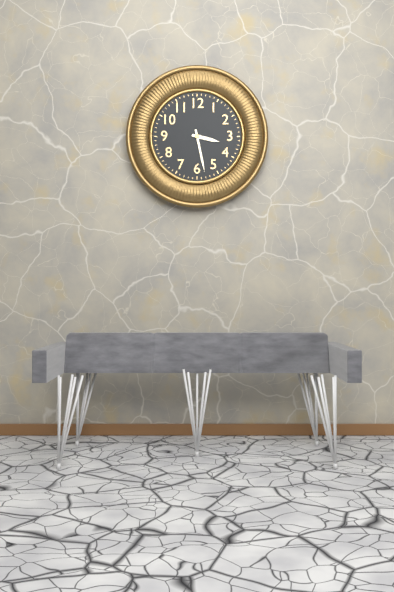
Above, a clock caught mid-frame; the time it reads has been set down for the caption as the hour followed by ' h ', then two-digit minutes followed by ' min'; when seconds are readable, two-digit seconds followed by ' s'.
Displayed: 3 h 28 min
